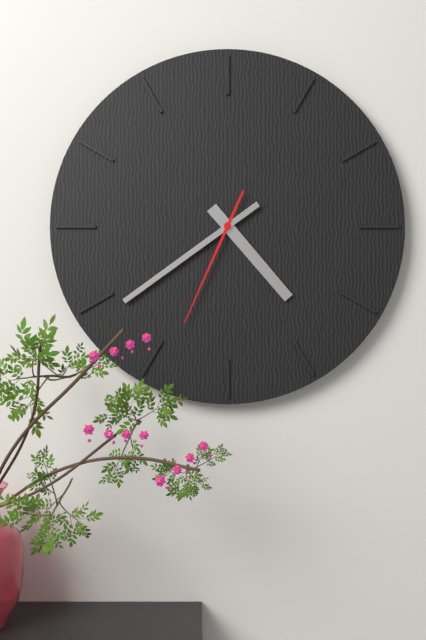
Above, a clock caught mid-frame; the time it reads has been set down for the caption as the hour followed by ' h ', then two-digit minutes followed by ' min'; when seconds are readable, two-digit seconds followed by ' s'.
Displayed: 4 h 39 min 34 s
